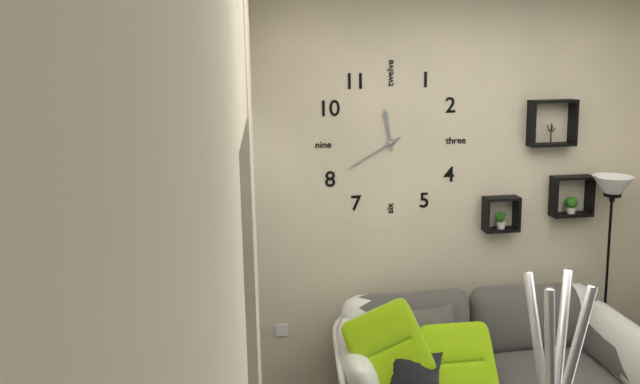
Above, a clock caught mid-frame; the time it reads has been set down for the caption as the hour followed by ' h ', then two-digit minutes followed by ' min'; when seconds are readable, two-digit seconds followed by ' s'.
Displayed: 11 h 40 min
